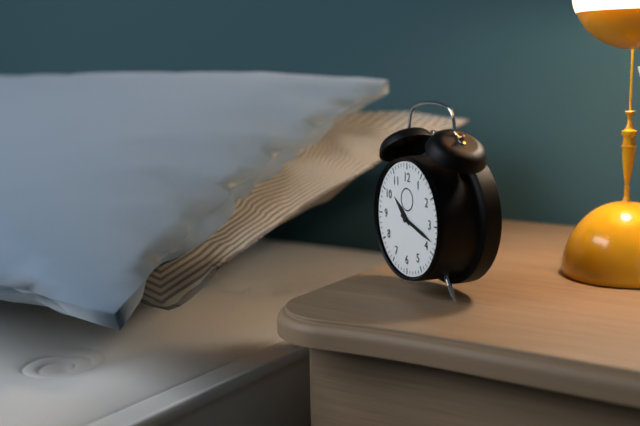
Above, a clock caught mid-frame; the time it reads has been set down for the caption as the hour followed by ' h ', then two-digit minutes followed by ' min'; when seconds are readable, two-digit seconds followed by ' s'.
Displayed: 10 h 18 min
